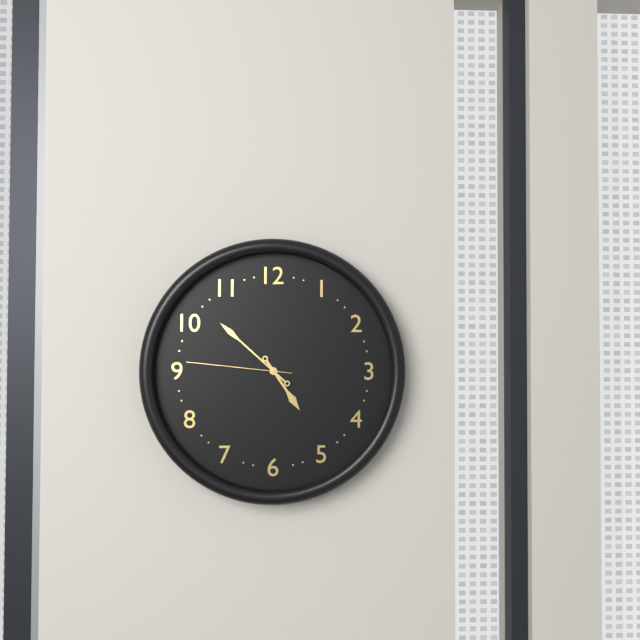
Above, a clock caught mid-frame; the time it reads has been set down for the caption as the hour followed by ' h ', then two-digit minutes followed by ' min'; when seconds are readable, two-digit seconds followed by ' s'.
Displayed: 4 h 52 min 46 s
